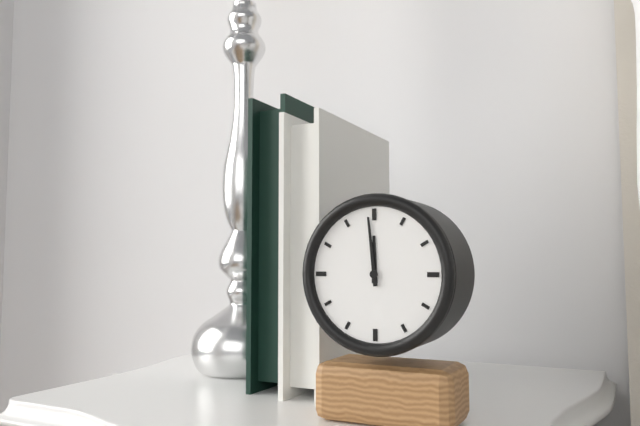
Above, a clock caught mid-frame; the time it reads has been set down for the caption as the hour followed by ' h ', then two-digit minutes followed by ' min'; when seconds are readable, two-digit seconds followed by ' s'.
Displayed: 11 h 59 min
